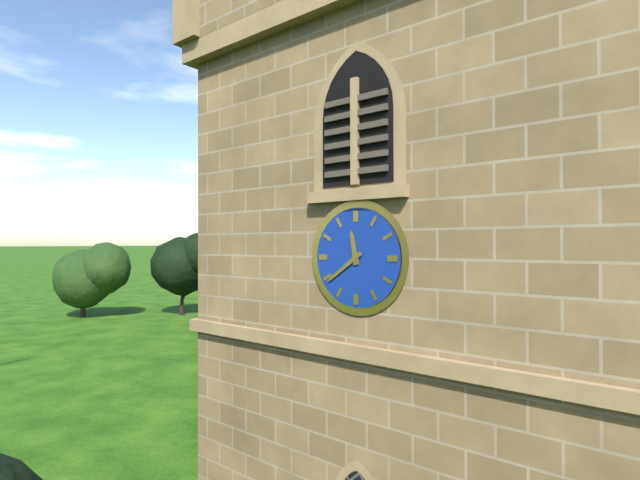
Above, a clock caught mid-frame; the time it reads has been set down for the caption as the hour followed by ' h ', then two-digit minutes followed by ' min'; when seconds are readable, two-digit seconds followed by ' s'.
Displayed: 11 h 39 min
